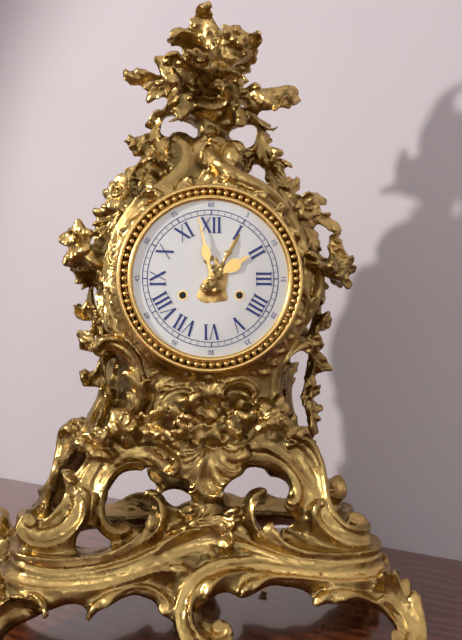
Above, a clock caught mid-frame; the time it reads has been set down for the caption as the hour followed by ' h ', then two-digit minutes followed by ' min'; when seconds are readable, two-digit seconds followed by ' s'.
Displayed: 1 h 58 min
